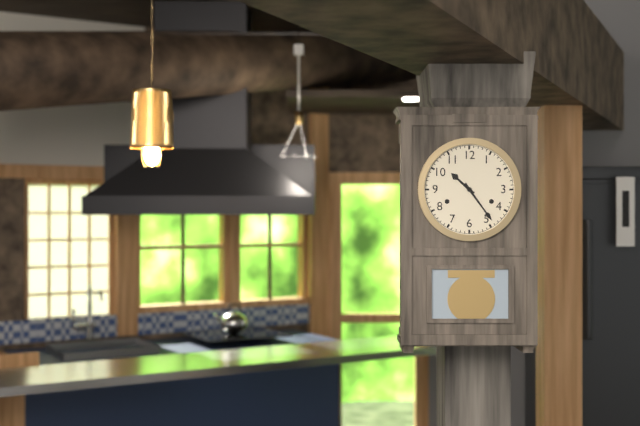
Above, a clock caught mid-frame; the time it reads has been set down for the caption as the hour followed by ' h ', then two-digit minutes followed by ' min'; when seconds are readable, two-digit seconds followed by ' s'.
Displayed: 10 h 24 min
